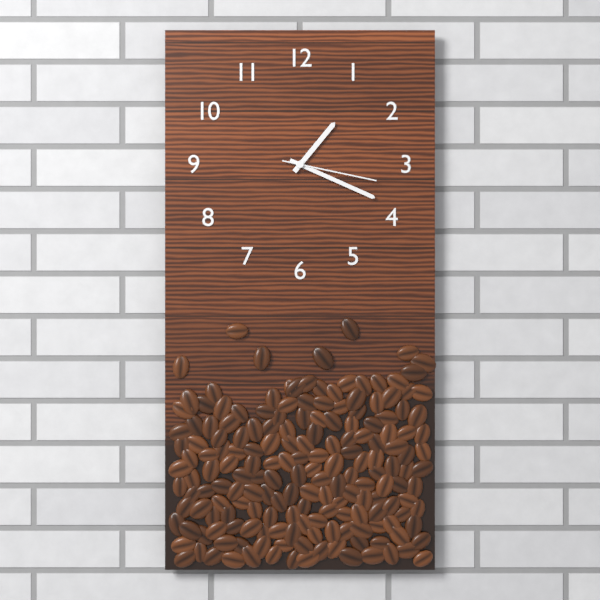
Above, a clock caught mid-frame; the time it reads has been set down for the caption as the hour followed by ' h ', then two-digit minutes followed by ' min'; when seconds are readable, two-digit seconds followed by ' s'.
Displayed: 1 h 19 min 17 s
